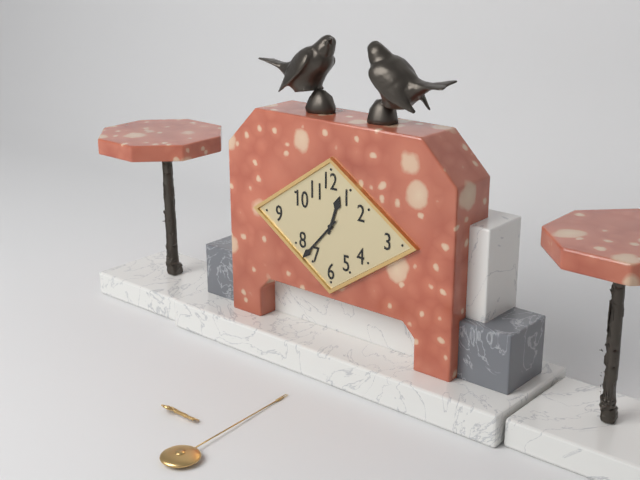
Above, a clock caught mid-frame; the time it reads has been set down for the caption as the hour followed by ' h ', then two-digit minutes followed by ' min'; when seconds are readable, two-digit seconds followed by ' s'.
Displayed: 12 h 37 min
